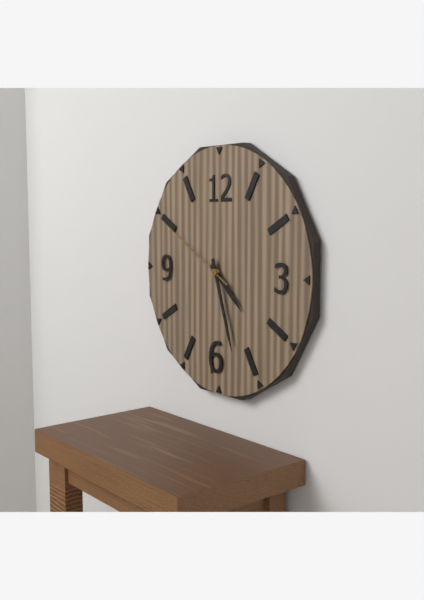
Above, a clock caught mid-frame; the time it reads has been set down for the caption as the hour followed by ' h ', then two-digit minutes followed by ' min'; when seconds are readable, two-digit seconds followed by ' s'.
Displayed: 4 h 27 min 50 s
